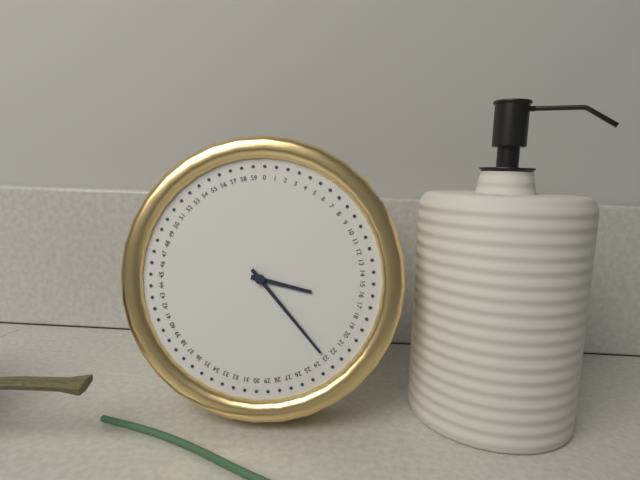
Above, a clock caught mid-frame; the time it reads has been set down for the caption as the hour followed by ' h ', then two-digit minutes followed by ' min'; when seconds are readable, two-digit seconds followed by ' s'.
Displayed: 3 h 23 min
